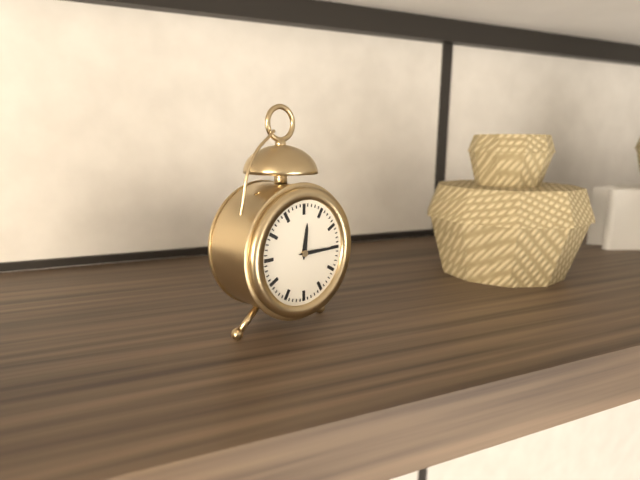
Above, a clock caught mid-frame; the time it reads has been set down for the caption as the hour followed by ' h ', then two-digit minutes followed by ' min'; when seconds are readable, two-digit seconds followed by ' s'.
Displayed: 12 h 15 min
